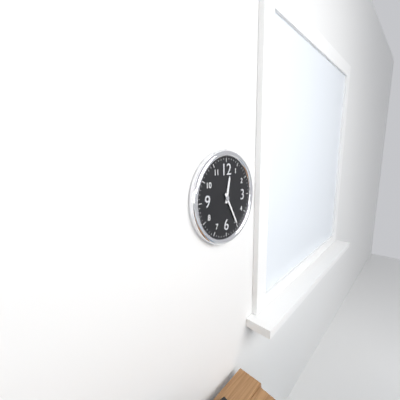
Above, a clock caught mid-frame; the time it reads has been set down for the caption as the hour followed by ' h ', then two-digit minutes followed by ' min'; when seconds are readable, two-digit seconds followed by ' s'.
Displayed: 12 h 25 min
